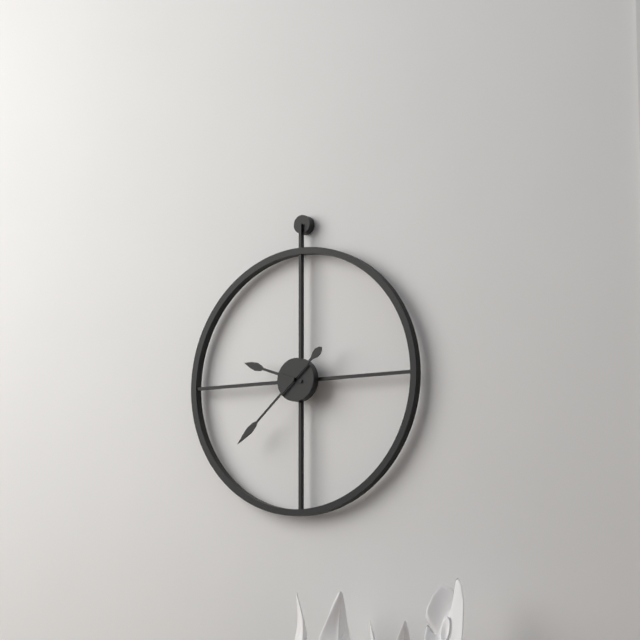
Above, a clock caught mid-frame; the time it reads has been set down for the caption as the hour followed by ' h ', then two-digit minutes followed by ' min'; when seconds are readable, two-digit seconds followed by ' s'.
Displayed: 9 h 38 min
